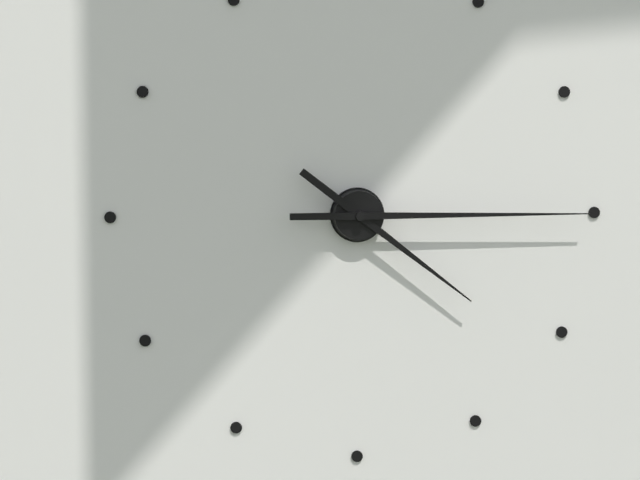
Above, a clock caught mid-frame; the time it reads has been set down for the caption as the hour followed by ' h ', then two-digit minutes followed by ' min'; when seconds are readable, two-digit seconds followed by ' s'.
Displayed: 4 h 15 min
